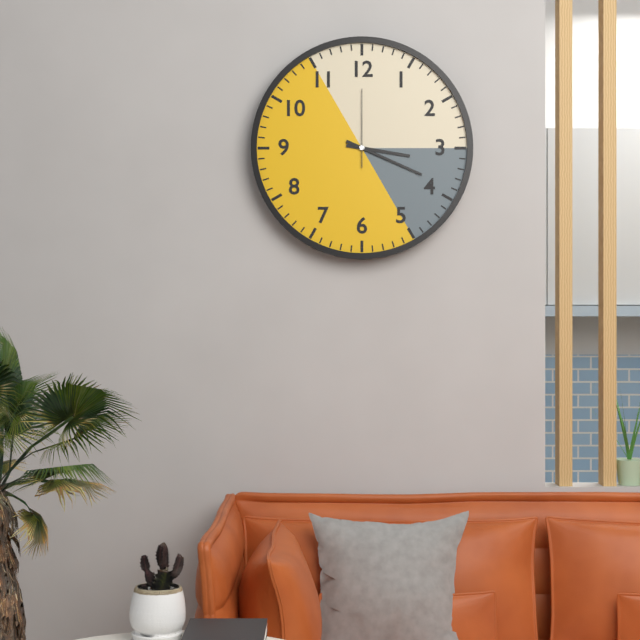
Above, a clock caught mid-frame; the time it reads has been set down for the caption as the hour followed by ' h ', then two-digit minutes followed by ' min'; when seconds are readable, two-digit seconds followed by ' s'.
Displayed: 3 h 19 min 00 s
